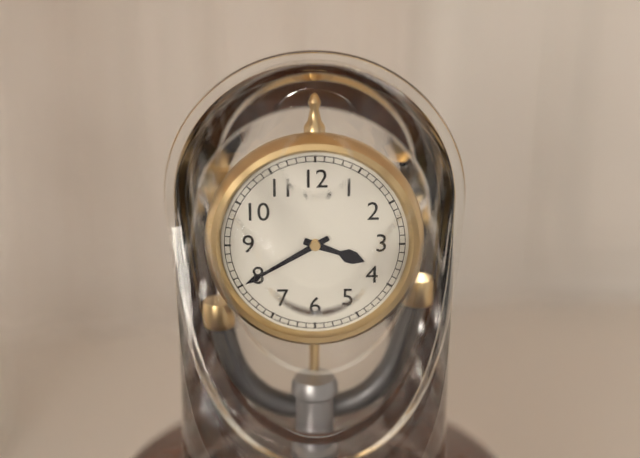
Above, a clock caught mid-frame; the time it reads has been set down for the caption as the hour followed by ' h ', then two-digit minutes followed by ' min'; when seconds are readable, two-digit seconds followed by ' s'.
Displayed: 3 h 40 min
